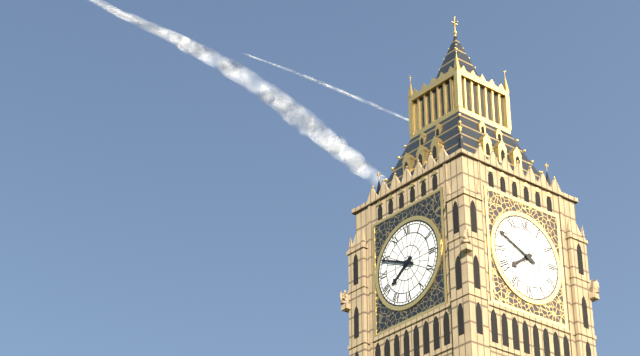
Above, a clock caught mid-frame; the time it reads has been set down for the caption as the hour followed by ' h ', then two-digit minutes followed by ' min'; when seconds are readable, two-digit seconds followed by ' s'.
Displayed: 7 h 49 min
